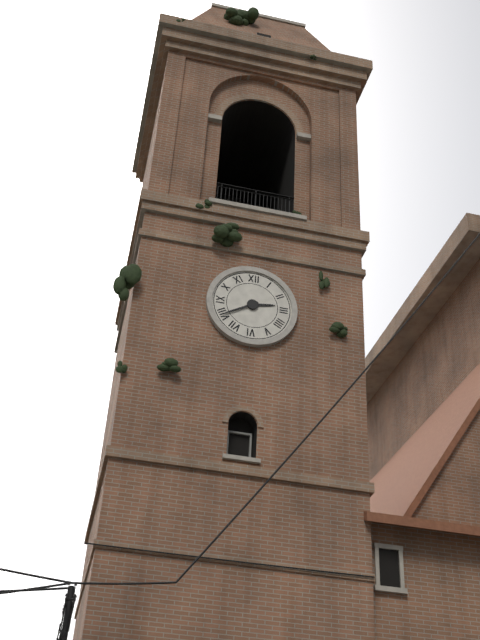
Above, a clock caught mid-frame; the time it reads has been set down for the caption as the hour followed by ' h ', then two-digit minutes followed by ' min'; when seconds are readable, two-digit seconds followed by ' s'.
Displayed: 2 h 40 min
